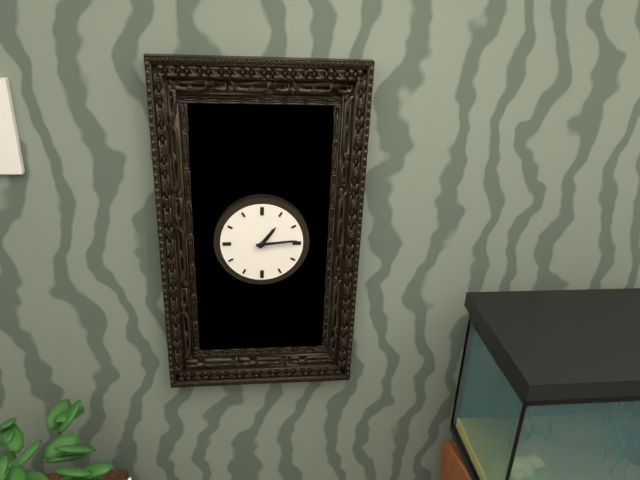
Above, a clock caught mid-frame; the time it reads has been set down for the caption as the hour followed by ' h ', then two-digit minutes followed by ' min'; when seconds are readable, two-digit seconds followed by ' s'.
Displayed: 1 h 14 min
